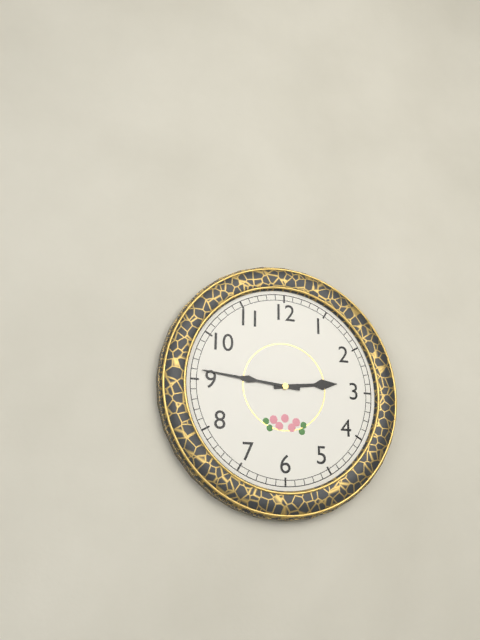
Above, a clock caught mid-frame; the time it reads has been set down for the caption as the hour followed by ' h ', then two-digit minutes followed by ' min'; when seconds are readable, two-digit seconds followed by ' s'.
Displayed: 2 h 46 min
